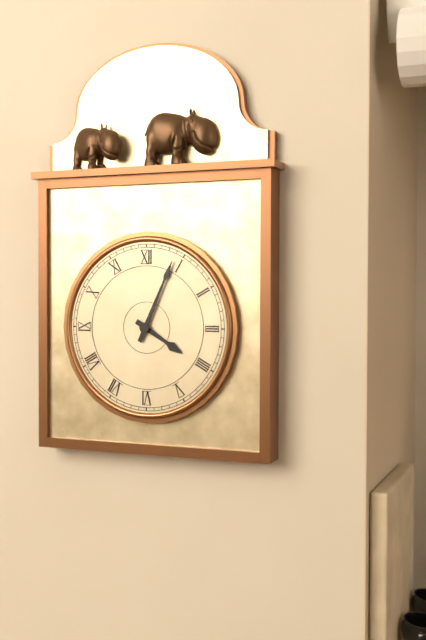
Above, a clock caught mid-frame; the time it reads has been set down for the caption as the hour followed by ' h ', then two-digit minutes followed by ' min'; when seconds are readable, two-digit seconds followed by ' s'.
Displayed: 4 h 04 min
